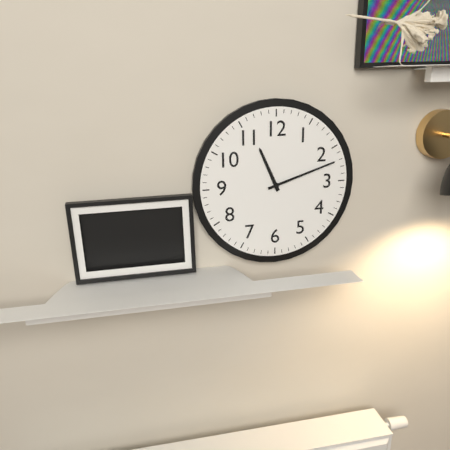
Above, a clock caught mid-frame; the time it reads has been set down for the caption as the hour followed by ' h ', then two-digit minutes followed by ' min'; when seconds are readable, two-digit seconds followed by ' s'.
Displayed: 11 h 12 min
